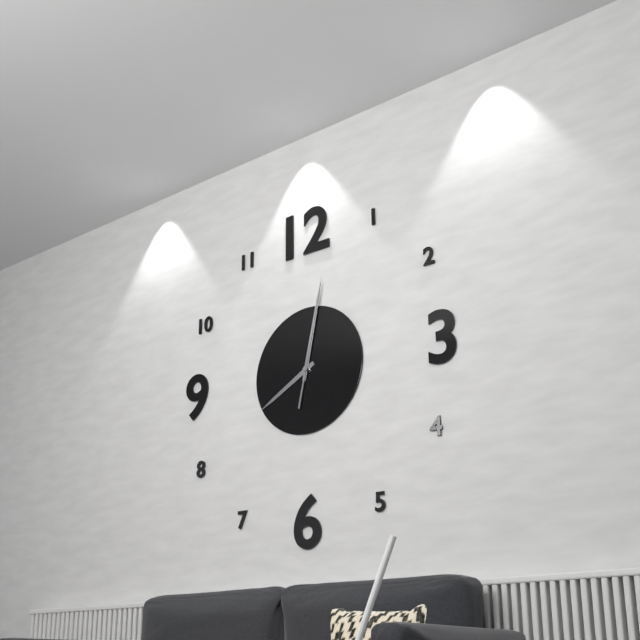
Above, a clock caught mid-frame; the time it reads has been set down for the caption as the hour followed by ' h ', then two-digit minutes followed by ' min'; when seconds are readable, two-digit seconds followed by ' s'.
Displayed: 8 h 02 min 02 s
